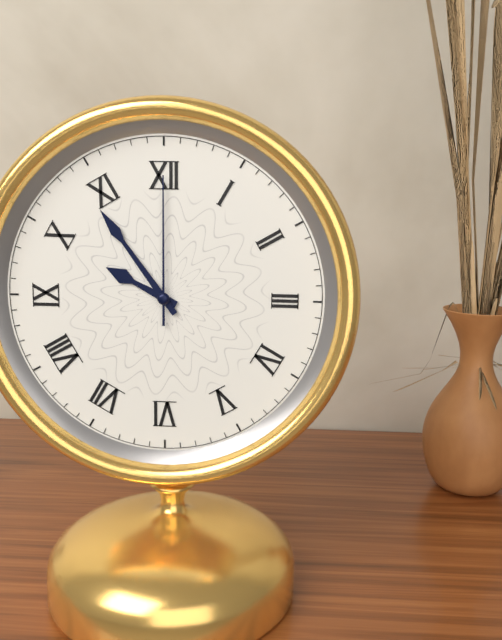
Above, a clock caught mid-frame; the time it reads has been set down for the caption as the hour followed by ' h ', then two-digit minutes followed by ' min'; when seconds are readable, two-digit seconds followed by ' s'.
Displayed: 9 h 54 min 00 s
